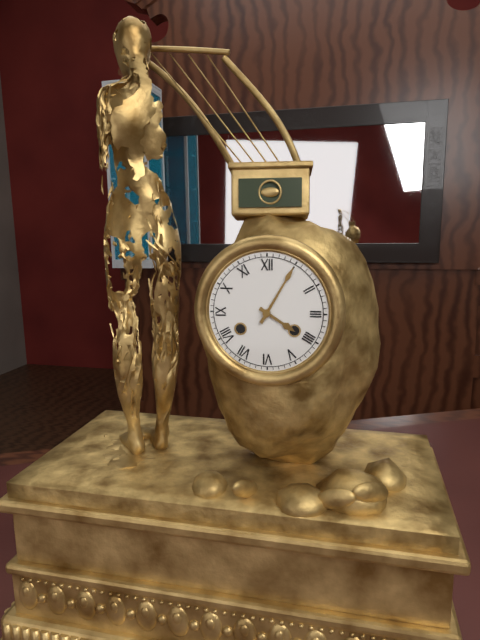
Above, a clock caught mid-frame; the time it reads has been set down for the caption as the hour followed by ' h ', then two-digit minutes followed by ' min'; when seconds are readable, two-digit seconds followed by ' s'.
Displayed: 4 h 05 min
